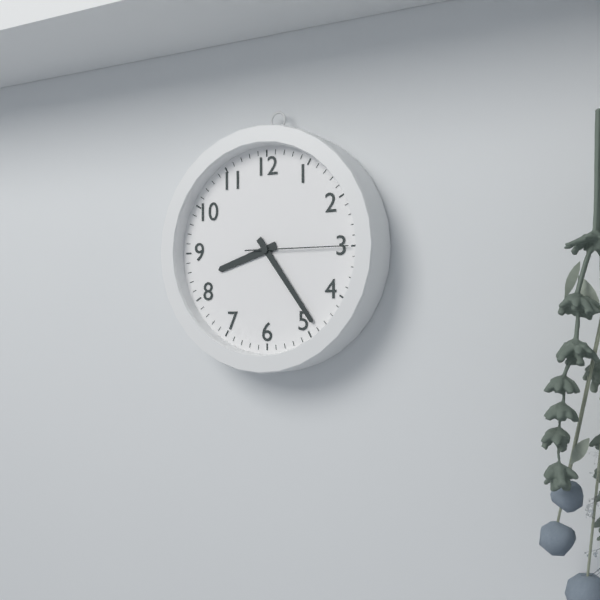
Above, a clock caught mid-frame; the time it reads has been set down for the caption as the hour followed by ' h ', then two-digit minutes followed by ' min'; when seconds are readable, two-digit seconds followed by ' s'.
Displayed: 8 h 24 min 15 s
